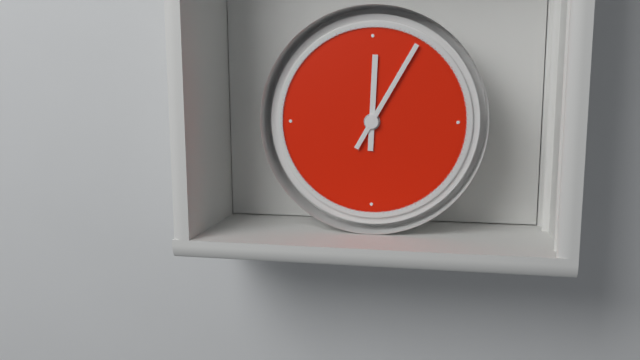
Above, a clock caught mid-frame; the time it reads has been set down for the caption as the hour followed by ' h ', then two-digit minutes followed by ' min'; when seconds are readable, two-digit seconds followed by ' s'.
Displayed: 12 h 05 min
